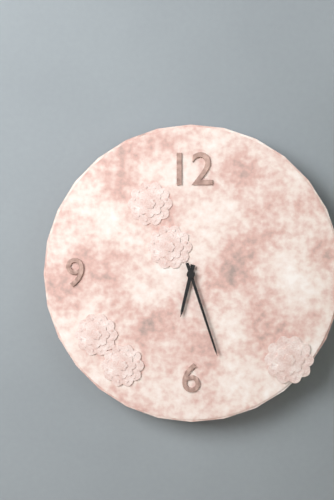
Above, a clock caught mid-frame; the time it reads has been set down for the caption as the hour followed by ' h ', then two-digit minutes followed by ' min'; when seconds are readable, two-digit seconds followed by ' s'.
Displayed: 6 h 27 min
